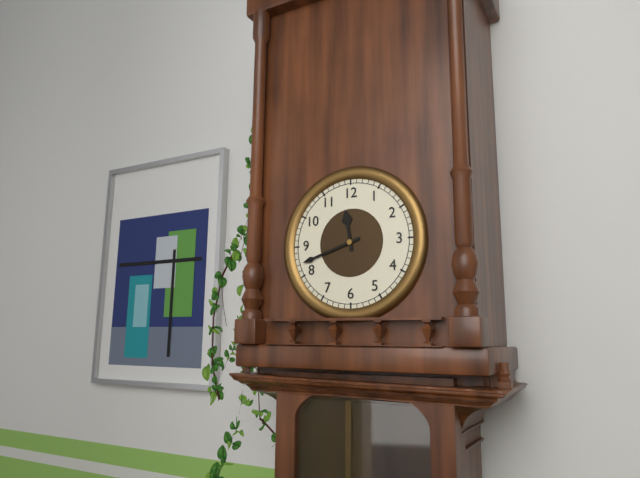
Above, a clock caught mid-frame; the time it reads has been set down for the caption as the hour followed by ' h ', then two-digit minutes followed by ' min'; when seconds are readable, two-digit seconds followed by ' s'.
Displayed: 11 h 42 min
